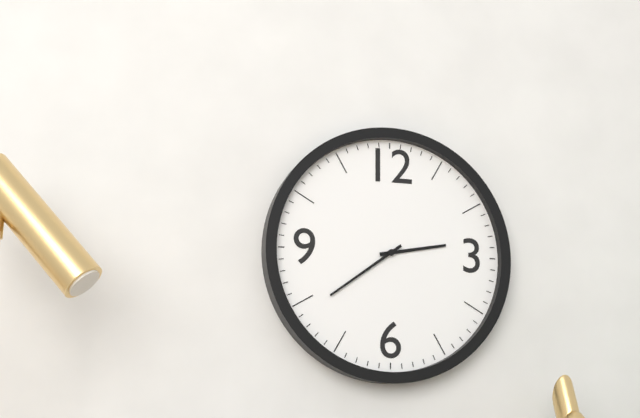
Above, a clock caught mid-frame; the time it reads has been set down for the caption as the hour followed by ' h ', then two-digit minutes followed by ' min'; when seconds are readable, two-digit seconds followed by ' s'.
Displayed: 2 h 39 min
